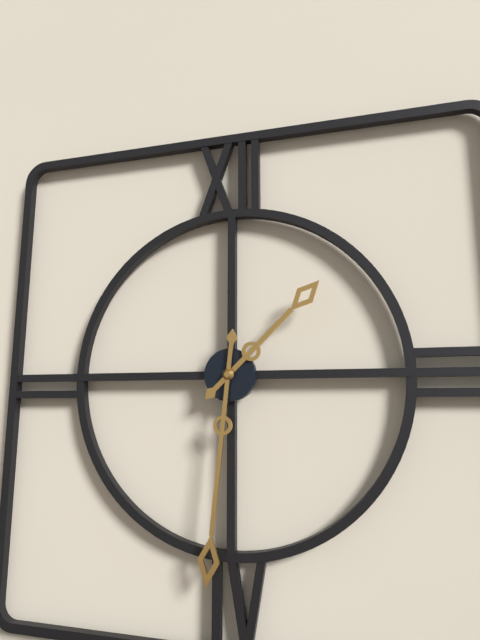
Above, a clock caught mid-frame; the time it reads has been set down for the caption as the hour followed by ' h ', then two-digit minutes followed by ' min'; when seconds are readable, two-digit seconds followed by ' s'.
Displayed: 1 h 31 min
